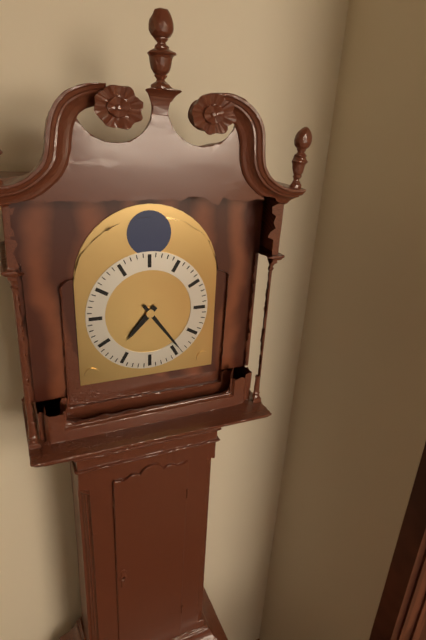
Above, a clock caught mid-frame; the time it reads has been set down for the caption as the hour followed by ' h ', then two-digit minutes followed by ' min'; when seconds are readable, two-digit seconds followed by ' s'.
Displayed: 7 h 24 min
